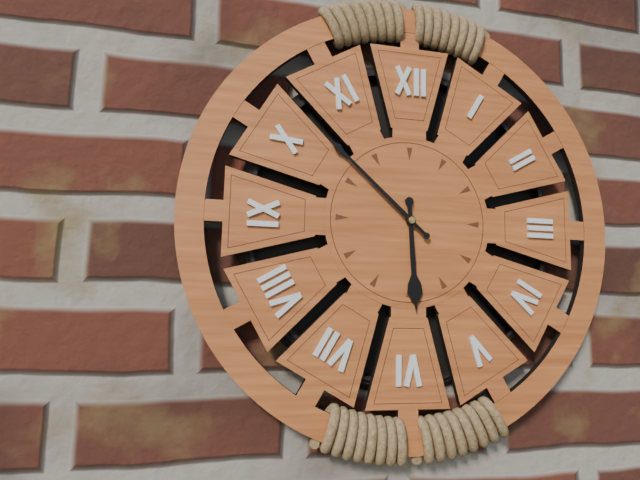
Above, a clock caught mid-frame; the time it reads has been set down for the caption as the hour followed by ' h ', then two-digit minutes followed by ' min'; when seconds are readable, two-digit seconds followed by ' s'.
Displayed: 5 h 52 min
